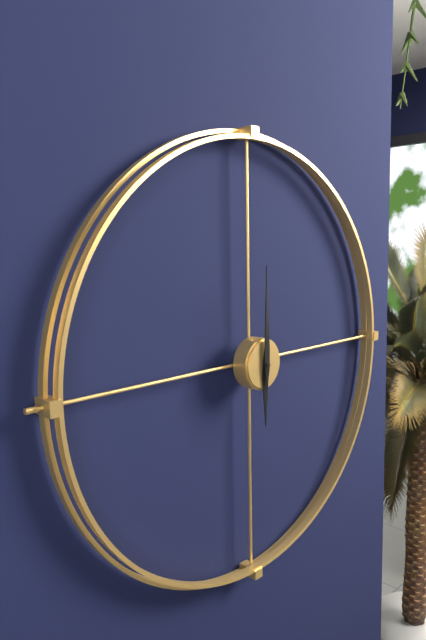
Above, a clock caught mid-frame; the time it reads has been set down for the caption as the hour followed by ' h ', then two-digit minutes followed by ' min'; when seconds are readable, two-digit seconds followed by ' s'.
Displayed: 6 h 00 min
